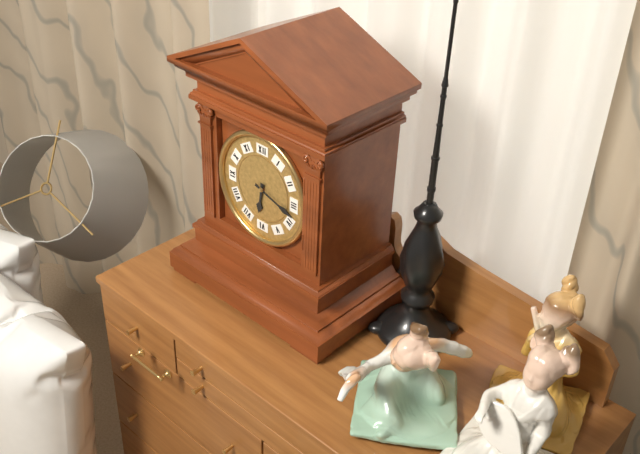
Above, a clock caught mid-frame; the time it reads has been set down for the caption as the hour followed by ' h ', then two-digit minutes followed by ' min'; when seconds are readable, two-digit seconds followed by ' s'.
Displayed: 6 h 18 min
